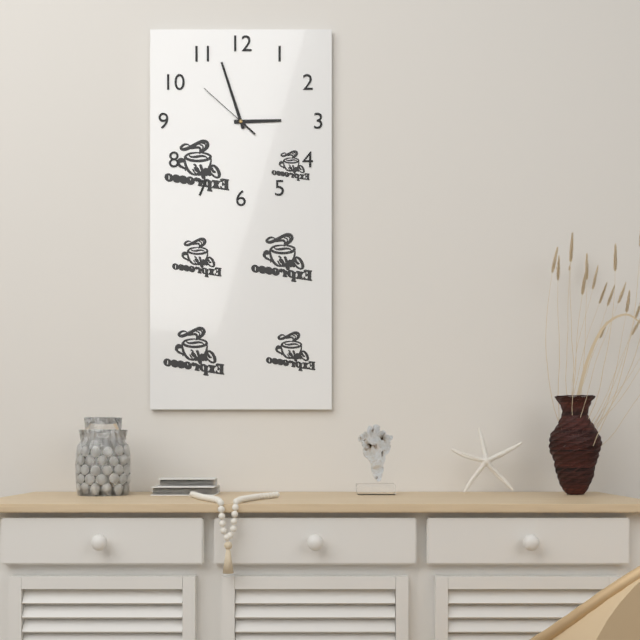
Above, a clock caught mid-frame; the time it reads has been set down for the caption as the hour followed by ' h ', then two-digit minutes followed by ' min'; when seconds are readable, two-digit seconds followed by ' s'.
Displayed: 2 h 57 min 52 s
